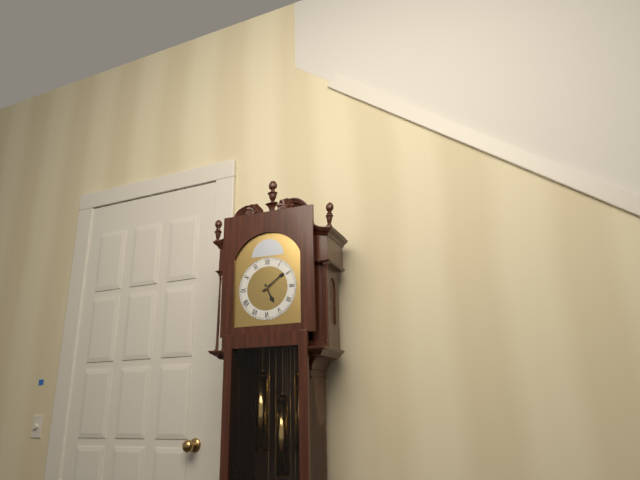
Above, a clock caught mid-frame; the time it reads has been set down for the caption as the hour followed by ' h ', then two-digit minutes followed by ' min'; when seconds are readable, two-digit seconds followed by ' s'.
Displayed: 5 h 09 min
